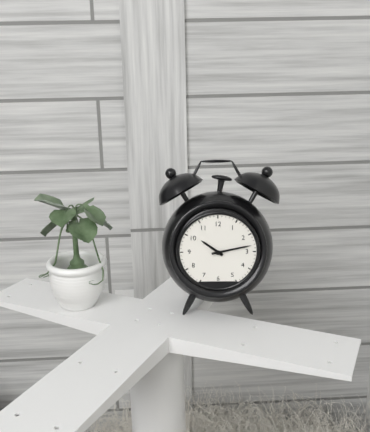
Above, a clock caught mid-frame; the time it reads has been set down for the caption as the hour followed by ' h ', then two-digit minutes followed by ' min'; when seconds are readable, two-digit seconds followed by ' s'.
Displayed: 10 h 13 min
